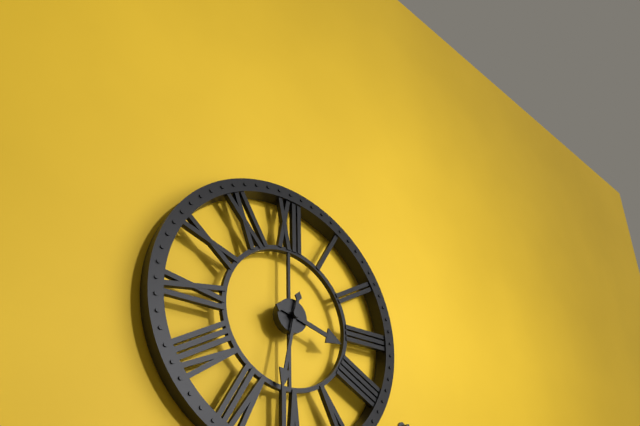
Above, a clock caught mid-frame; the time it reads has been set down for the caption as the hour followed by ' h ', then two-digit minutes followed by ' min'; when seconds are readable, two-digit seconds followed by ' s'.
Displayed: 3 h 32 min
